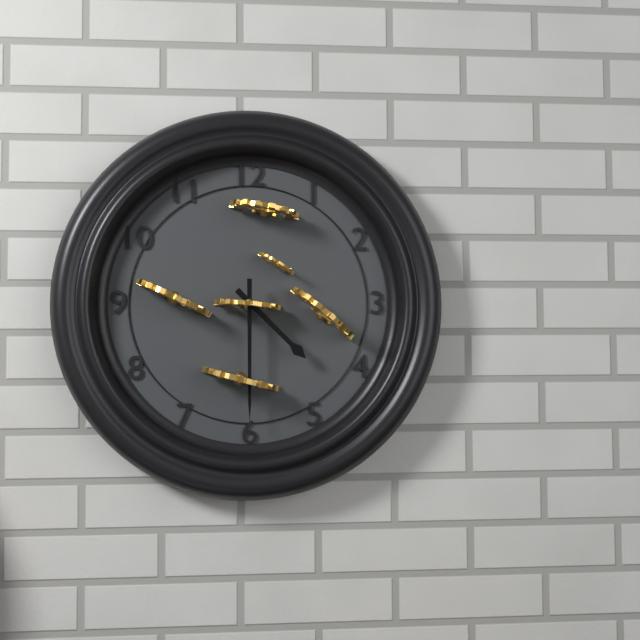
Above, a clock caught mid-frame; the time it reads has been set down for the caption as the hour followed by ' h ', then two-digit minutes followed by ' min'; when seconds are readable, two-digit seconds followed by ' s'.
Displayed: 4 h 30 min
